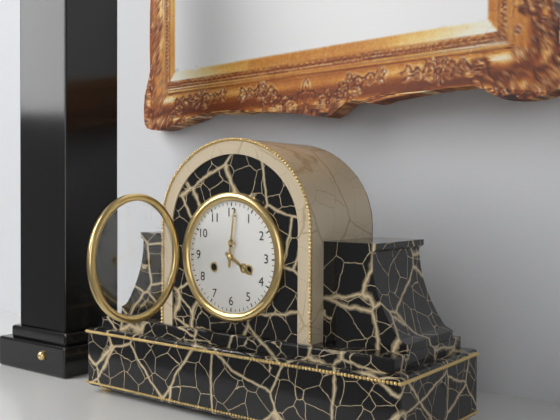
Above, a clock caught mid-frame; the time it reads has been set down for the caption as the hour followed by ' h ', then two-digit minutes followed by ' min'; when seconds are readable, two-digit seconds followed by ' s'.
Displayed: 4 h 01 min
